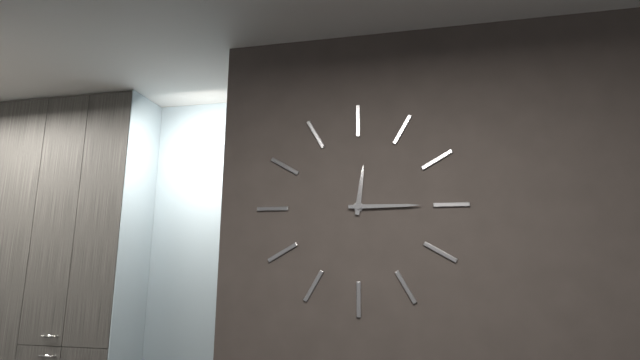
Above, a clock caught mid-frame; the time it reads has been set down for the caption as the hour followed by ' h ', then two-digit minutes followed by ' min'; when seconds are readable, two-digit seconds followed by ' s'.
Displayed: 12 h 15 min
